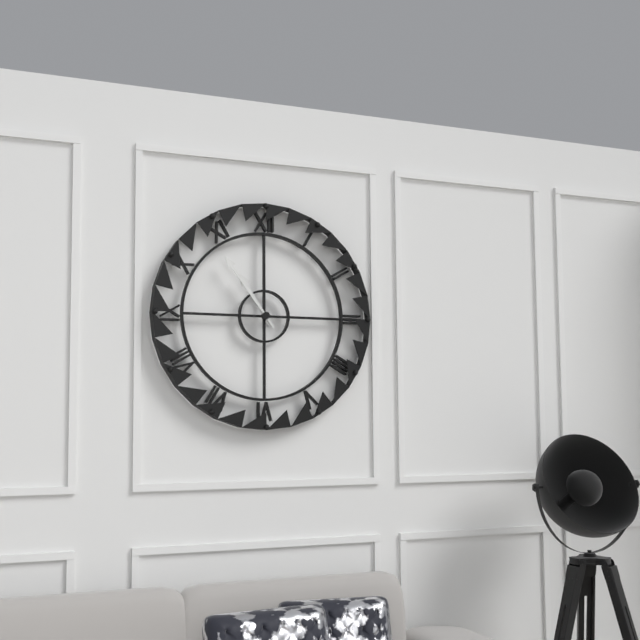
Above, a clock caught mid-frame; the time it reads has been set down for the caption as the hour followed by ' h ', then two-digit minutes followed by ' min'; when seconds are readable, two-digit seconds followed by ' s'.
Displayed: 10 h 54 min
